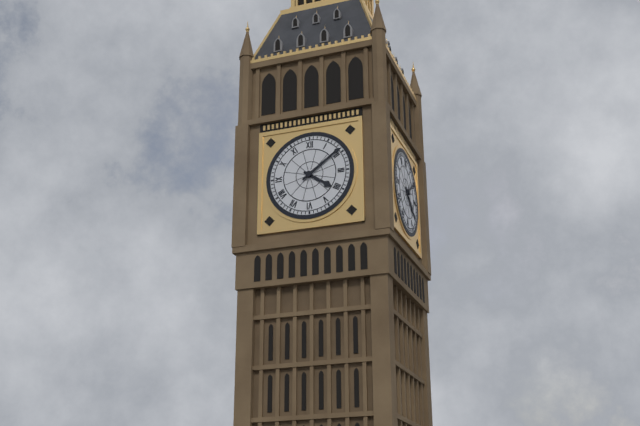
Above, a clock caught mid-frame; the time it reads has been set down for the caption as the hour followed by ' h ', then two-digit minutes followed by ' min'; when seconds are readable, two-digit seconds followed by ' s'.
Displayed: 4 h 09 min
